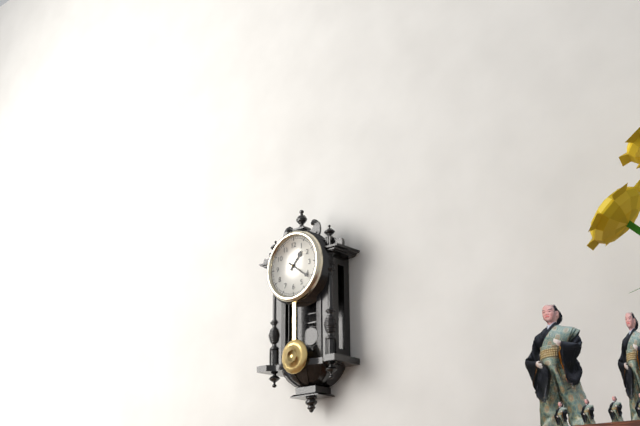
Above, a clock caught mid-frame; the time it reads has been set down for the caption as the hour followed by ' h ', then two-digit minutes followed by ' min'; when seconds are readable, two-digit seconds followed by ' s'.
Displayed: 1 h 21 min
